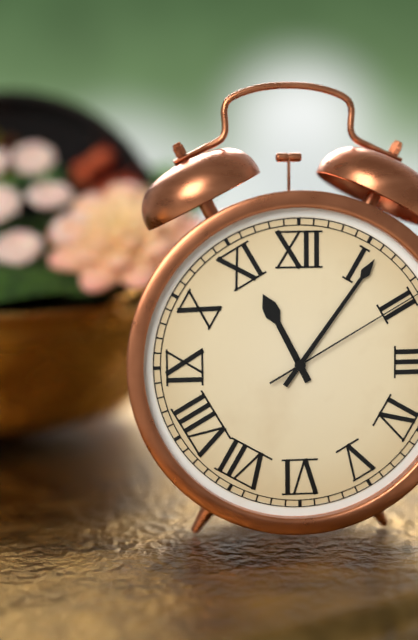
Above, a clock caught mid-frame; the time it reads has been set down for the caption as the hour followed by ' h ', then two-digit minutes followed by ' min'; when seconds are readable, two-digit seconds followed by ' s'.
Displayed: 11 h 06 min
